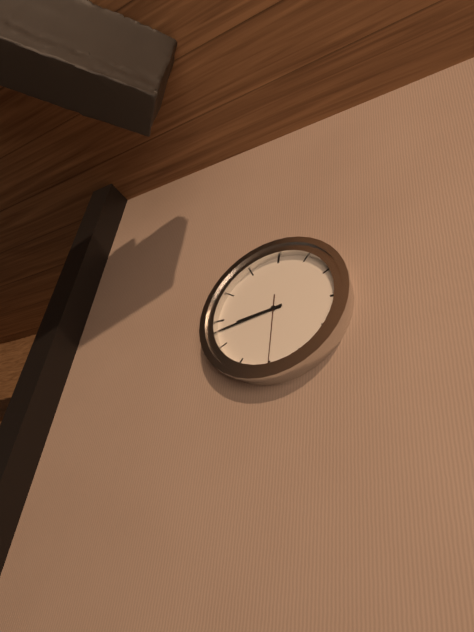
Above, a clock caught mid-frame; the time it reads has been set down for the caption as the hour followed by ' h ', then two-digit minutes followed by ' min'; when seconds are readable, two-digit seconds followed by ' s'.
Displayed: 8 h 43 min 30 s
